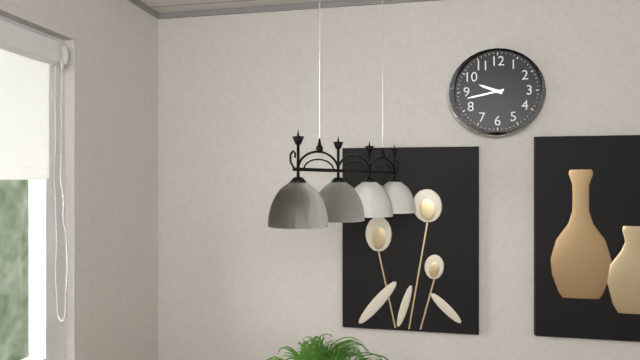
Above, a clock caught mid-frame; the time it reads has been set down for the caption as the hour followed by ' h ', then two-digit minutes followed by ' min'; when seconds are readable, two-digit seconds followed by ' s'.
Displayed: 9 h 43 min
